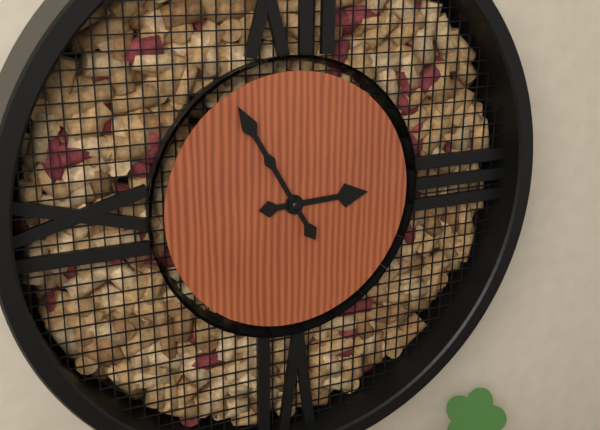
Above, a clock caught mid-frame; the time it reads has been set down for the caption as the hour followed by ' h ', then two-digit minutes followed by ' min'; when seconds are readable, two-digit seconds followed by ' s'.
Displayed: 2 h 55 min
